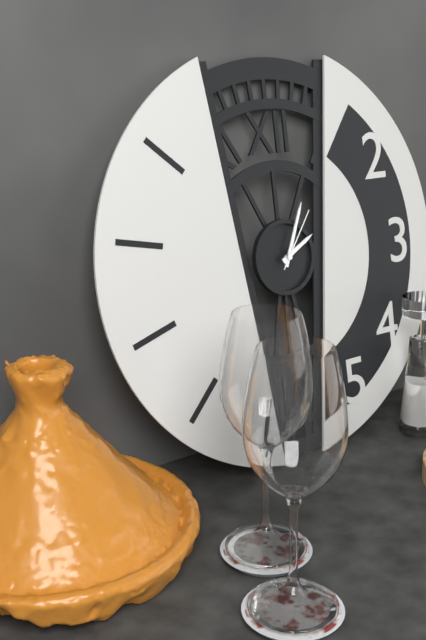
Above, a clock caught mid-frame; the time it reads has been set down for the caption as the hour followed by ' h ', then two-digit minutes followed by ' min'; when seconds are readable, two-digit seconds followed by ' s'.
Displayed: 2 h 04 min 06 s
